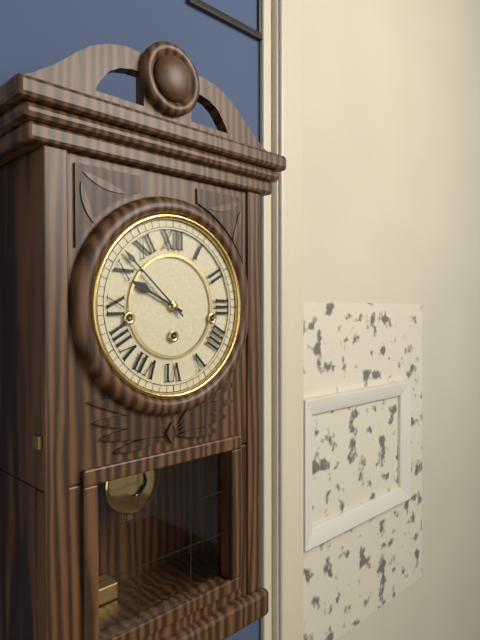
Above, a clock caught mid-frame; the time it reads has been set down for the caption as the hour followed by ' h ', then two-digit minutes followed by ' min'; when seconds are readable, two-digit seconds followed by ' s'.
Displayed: 9 h 52 min
